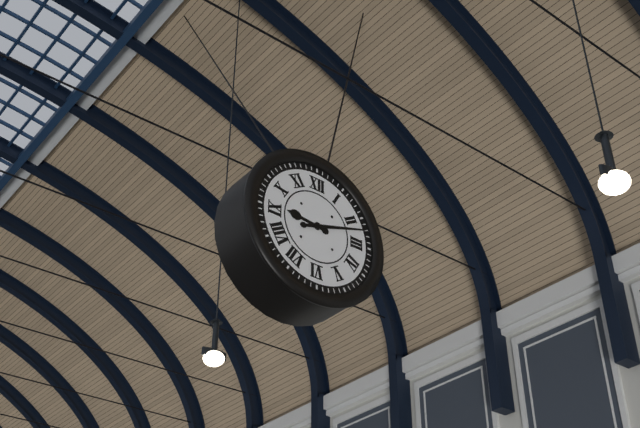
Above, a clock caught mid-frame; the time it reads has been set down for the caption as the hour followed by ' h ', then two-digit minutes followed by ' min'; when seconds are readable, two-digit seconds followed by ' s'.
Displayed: 9 h 12 min
